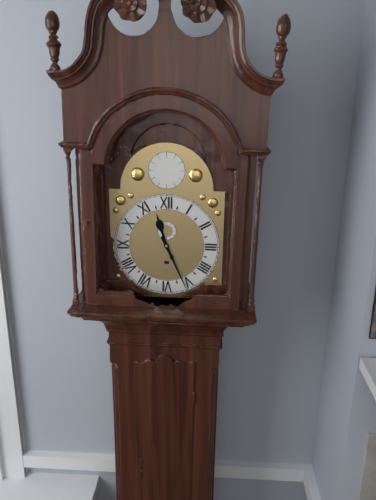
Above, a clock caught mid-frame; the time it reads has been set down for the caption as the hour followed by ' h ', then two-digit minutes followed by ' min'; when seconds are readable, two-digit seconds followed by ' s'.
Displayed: 11 h 26 min
